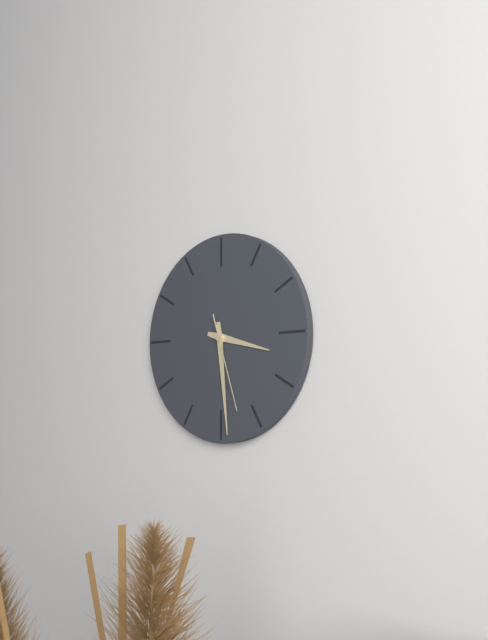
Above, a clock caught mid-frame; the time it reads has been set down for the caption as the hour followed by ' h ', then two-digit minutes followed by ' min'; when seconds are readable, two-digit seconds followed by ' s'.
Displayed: 3 h 29 min 27 s
